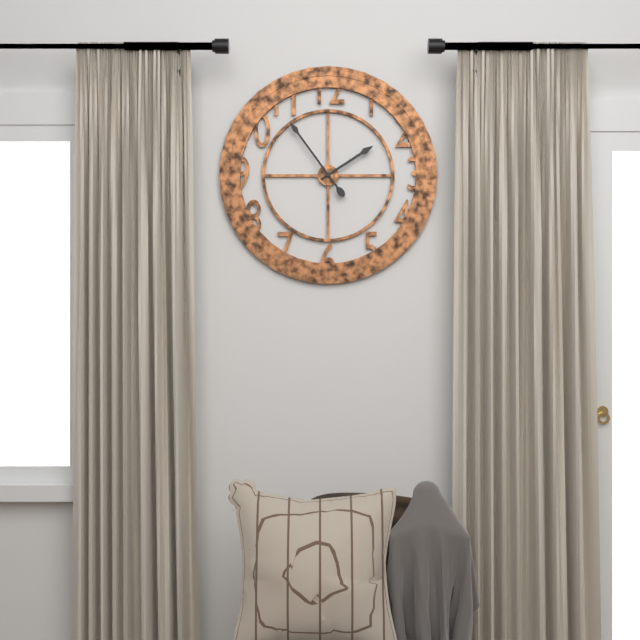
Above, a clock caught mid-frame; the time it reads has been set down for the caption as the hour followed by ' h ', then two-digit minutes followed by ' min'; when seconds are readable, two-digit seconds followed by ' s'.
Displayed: 1 h 54 min
